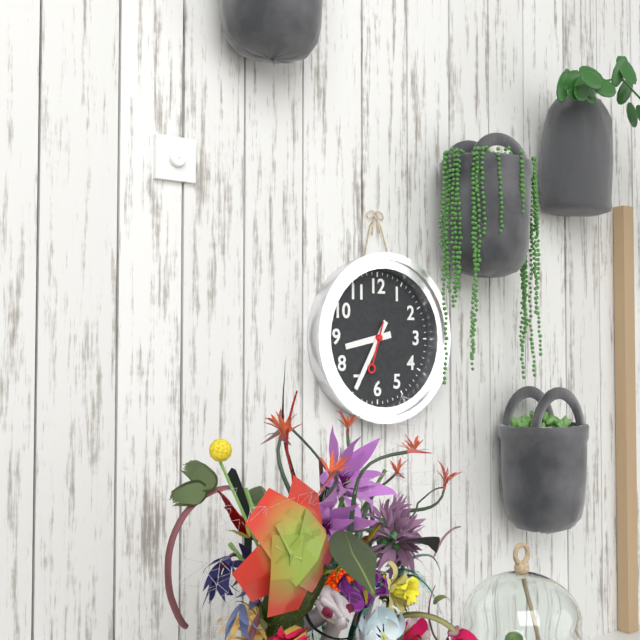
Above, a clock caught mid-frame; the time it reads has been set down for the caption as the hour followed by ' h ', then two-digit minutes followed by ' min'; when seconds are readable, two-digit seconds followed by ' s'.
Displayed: 8 h 35 min
